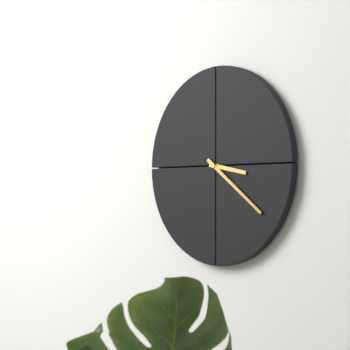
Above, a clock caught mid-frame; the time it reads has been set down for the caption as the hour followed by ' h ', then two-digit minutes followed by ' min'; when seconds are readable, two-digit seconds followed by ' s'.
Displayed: 3 h 21 min
